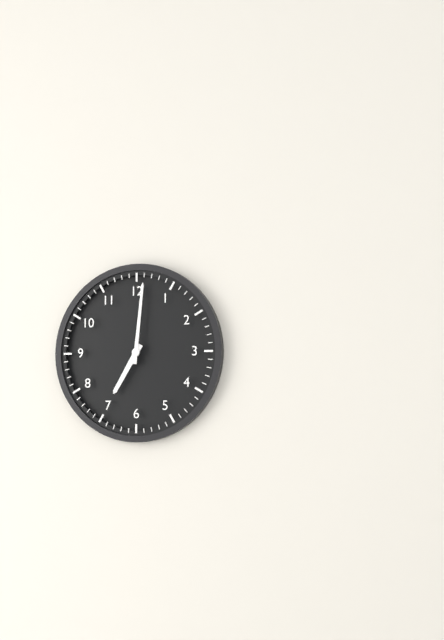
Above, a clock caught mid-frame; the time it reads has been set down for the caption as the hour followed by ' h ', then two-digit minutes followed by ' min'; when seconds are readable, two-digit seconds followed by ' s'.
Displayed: 7 h 01 min
